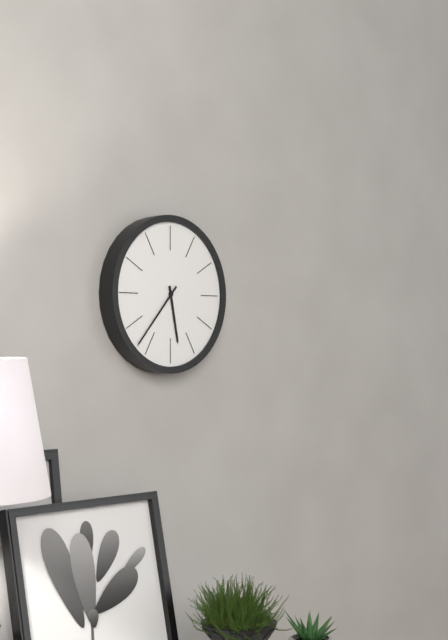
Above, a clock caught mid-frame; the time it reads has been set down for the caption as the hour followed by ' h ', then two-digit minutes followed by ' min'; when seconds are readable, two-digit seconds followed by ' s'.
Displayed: 5 h 37 min
